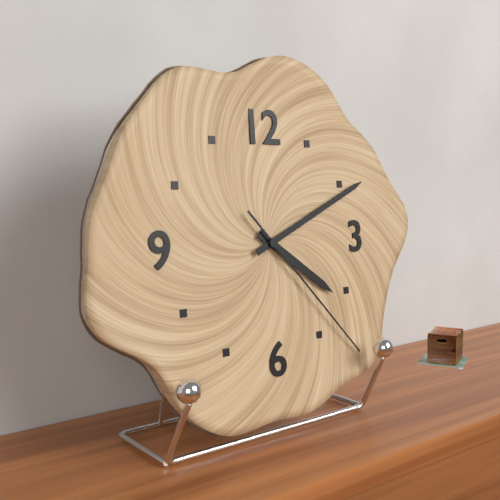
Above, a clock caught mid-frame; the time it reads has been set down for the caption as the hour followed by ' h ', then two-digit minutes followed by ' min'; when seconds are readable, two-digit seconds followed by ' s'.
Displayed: 4 h 11 min 23 s
